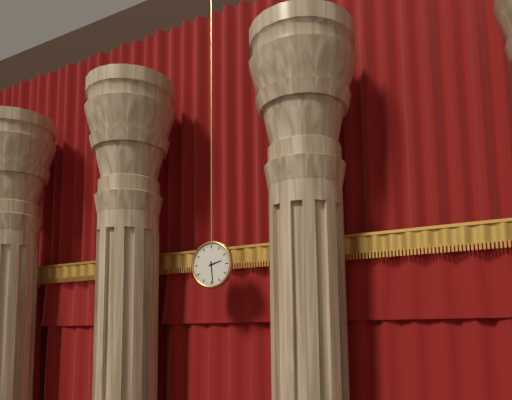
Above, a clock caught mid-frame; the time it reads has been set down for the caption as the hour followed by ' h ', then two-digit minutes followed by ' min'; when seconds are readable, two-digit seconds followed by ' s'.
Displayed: 2 h 29 min
